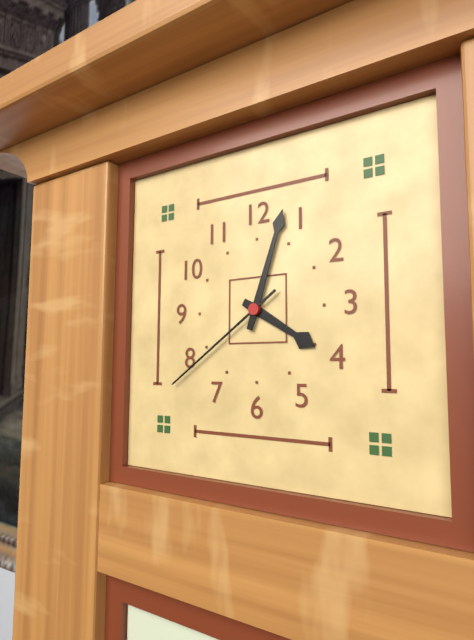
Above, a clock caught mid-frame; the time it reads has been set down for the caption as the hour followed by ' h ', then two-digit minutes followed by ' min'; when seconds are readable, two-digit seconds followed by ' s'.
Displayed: 4 h 03 min 39 s
